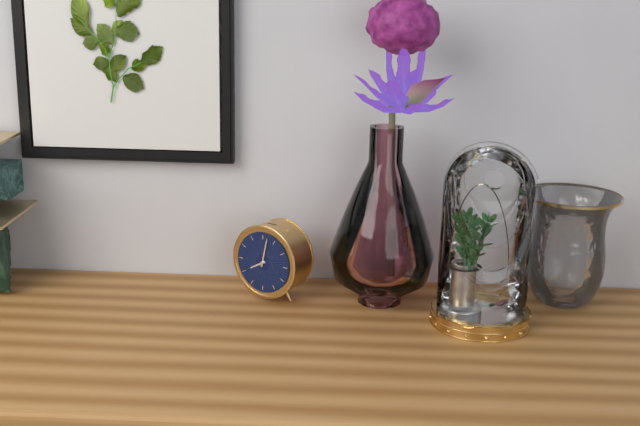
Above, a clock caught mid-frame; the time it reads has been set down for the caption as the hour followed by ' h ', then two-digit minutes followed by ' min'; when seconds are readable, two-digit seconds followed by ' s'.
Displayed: 8 h 02 min
